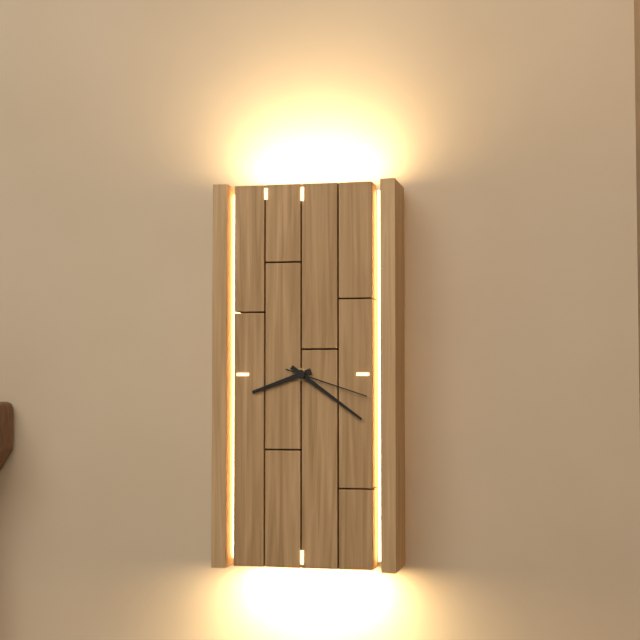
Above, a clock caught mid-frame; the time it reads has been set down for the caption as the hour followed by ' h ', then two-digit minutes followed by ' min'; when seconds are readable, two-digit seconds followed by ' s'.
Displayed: 8 h 21 min 18 s
